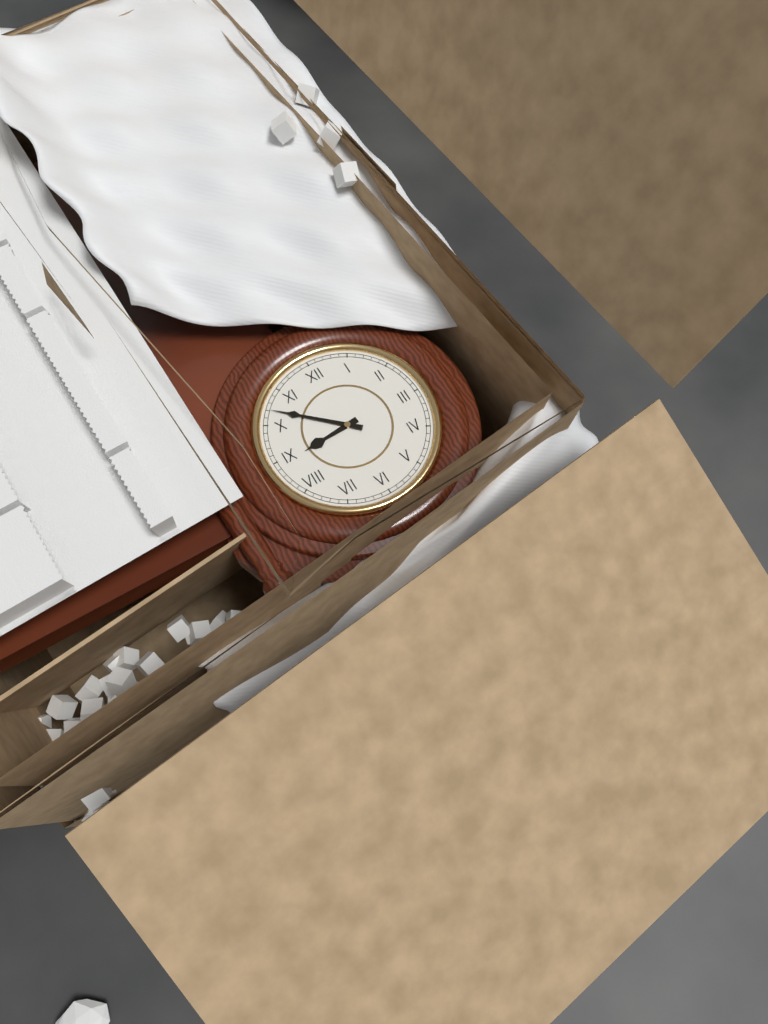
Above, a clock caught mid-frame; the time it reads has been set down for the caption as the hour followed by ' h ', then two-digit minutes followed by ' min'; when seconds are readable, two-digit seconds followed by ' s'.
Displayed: 8 h 52 min
